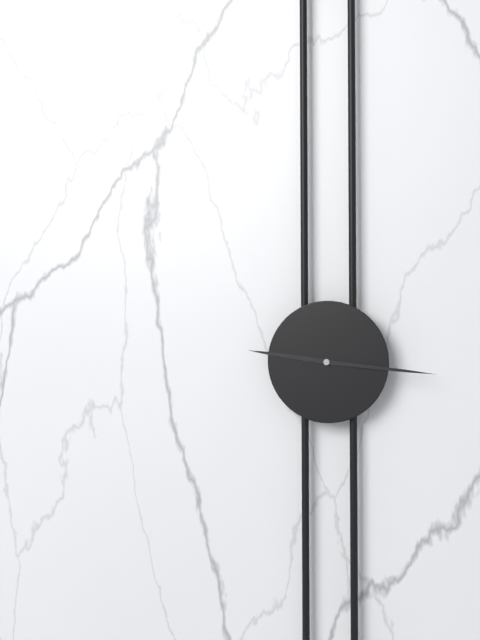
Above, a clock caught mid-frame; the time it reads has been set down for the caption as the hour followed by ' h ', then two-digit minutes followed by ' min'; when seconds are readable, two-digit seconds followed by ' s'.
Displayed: 9 h 16 min
